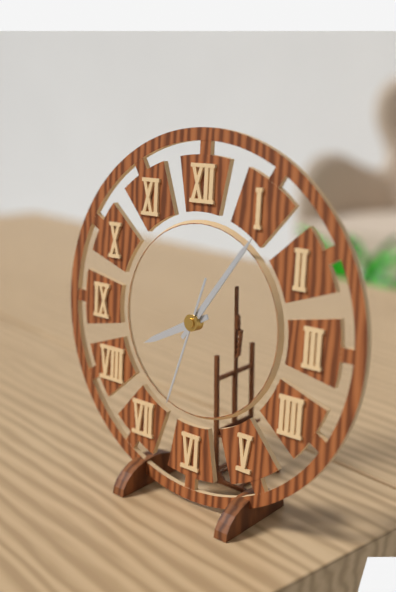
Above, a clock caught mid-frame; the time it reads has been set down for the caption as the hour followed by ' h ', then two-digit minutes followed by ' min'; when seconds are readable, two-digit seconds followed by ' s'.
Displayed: 8 h 06 min 33 s
